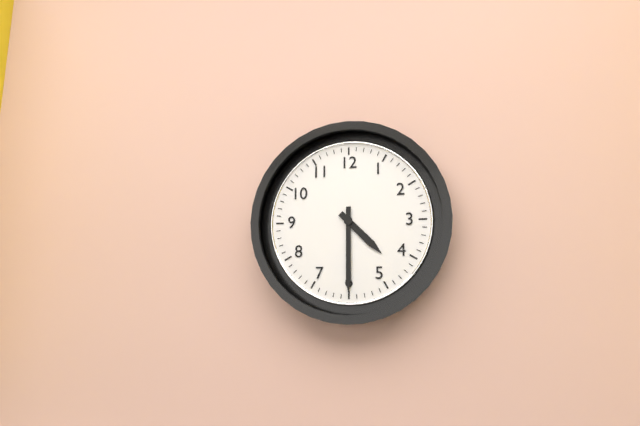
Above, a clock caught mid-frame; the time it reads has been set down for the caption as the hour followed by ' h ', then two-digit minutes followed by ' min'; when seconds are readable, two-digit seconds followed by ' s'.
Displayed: 4 h 30 min
